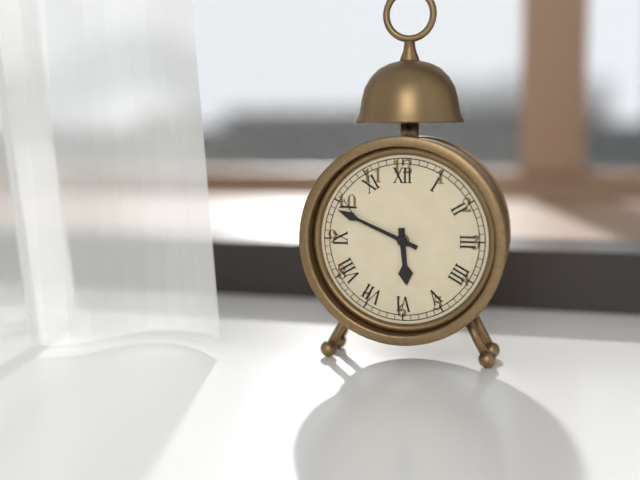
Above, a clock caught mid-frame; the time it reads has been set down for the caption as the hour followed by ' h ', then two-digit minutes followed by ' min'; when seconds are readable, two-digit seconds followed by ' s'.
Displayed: 5 h 49 min
